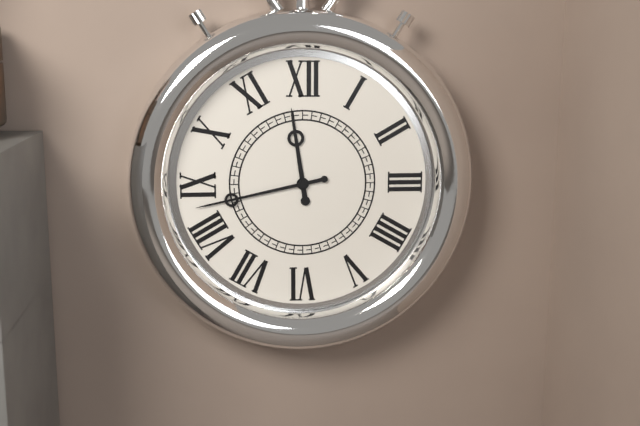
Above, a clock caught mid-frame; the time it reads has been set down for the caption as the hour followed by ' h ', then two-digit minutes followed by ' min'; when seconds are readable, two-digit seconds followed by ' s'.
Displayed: 11 h 43 min
